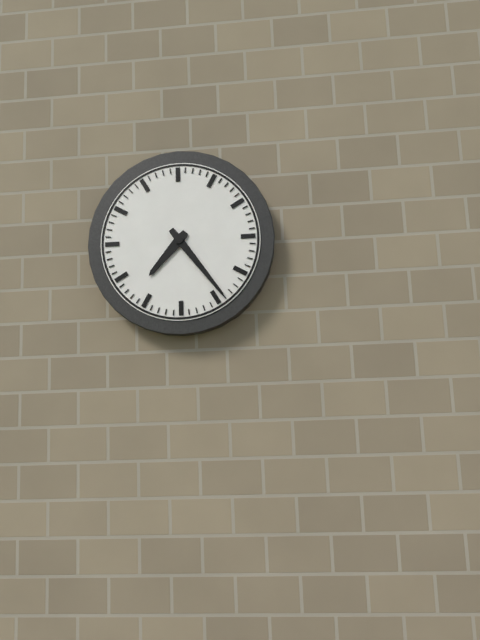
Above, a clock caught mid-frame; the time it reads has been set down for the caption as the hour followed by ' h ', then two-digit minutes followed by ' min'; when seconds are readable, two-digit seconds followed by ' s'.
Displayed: 7 h 24 min
